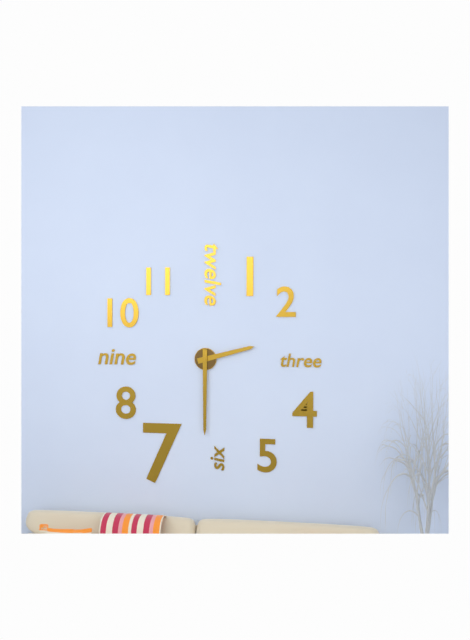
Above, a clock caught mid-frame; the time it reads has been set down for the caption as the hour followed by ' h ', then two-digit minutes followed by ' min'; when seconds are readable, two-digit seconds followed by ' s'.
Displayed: 2 h 30 min
